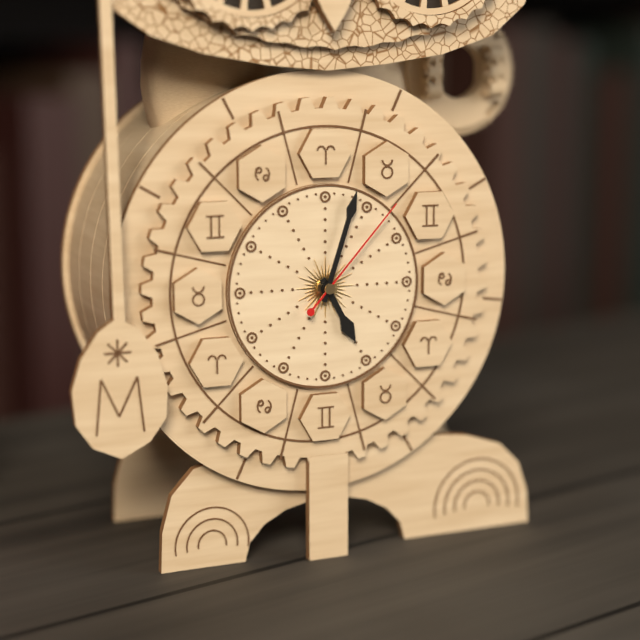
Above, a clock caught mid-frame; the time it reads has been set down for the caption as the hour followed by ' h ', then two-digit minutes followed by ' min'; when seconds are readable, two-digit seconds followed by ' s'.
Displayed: 5 h 03 min 07 s
